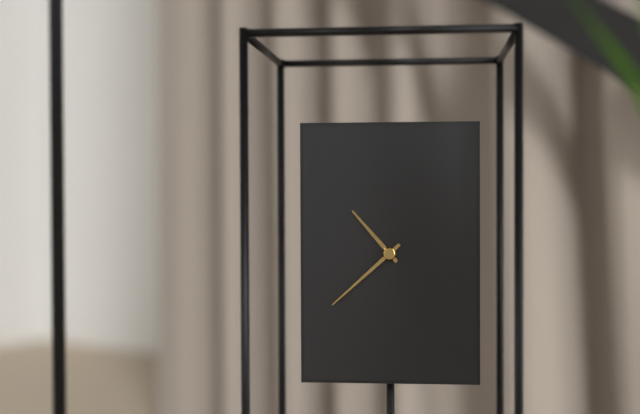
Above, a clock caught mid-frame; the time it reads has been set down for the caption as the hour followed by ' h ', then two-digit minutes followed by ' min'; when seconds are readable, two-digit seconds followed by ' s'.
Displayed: 10 h 38 min
